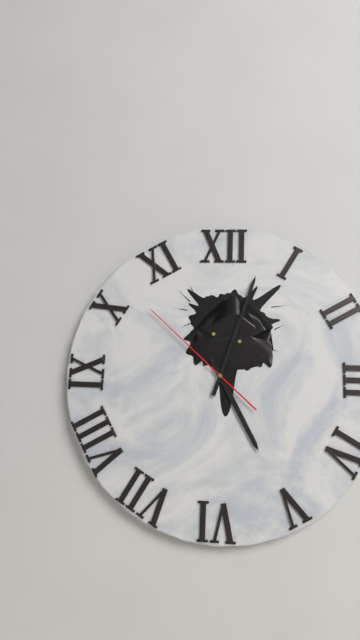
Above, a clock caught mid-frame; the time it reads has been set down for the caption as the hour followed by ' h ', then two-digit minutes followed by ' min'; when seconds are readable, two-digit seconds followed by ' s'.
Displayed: 5 h 03 min 52 s
